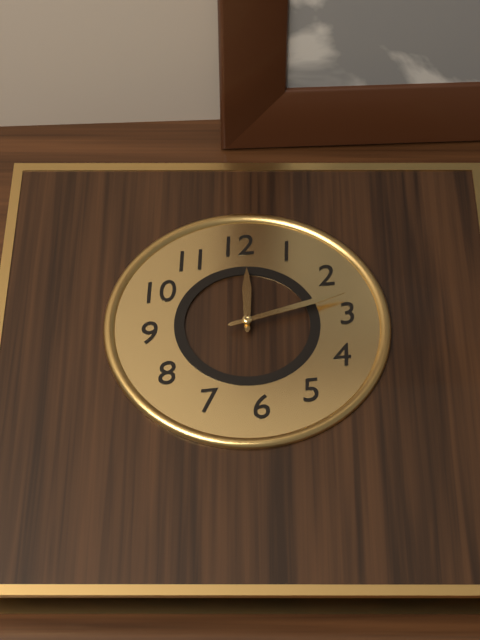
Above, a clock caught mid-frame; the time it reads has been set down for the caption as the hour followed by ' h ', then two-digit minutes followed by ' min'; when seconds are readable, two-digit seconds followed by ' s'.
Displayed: 12 h 13 min
